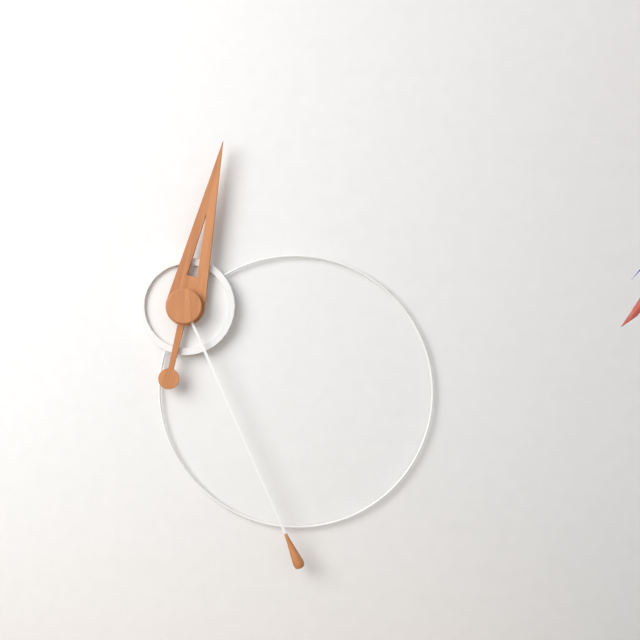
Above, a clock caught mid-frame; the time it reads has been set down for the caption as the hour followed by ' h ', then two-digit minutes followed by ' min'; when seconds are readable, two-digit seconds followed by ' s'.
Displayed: 12 h 26 min
